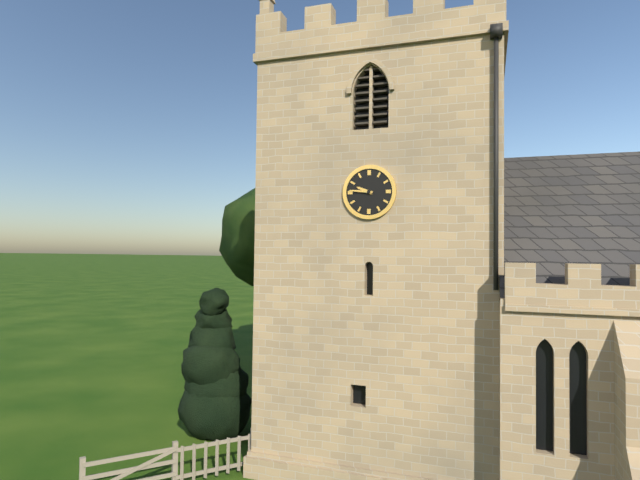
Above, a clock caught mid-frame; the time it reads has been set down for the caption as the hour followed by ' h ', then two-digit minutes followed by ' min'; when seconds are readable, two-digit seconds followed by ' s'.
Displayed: 9 h 46 min
